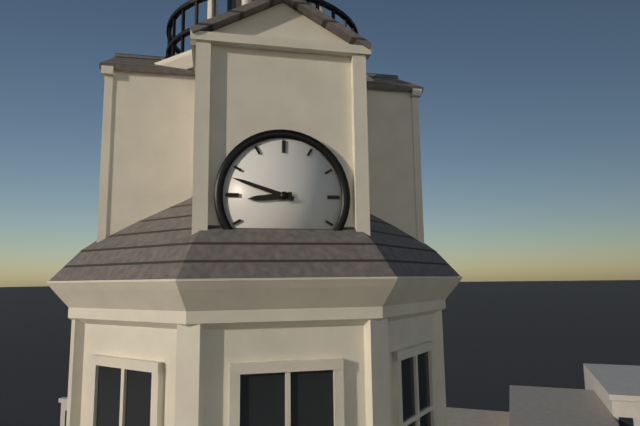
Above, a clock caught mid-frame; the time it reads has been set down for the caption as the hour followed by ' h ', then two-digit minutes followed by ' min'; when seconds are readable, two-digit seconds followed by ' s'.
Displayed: 8 h 48 min
